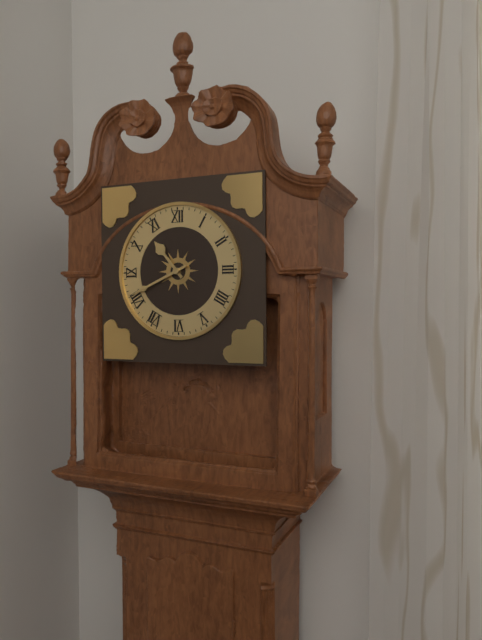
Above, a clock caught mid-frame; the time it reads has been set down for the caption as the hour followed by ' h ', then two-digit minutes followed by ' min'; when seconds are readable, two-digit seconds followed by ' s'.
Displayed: 10 h 41 min
